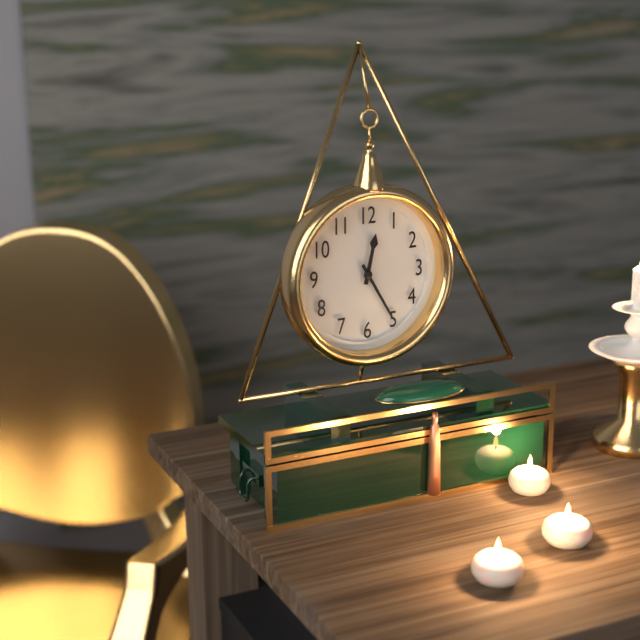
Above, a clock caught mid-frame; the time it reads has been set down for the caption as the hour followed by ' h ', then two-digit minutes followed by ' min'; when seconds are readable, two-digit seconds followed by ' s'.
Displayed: 12 h 25 min
